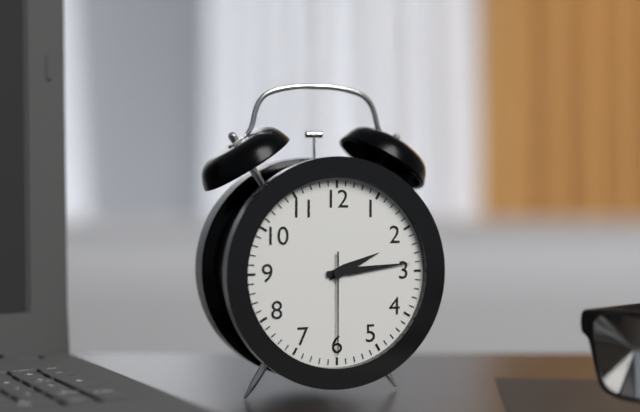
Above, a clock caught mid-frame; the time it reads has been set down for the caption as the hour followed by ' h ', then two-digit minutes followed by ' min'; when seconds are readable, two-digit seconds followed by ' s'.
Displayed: 2 h 14 min 30 s
